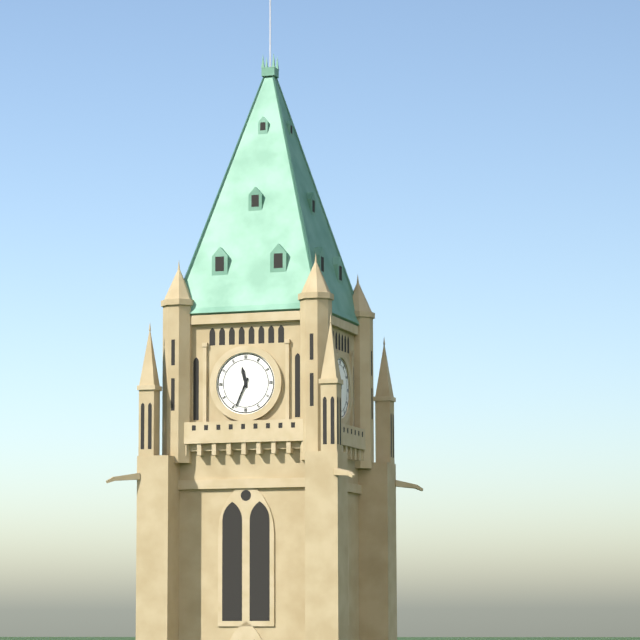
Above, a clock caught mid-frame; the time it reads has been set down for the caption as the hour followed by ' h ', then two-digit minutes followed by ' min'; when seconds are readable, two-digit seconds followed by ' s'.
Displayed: 11 h 34 min
